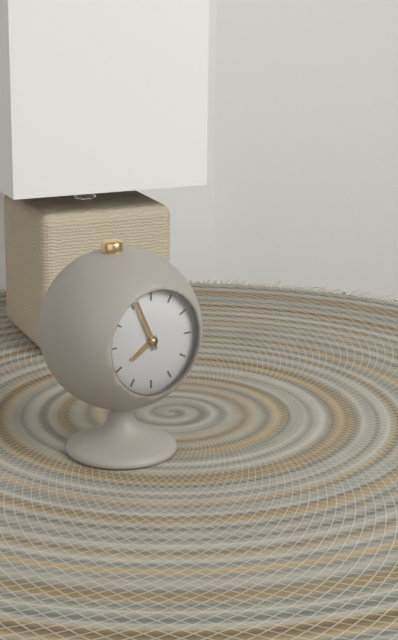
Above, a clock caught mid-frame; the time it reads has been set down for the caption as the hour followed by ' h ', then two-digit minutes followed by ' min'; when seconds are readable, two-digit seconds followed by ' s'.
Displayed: 7 h 56 min
